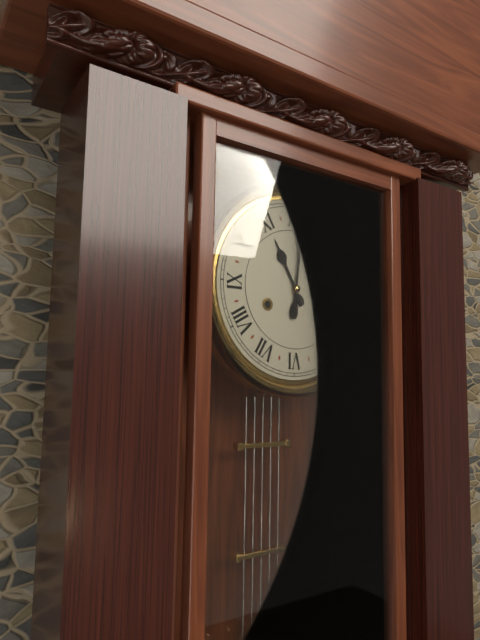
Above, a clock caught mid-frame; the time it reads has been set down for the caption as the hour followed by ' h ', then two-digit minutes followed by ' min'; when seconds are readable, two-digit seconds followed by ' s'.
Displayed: 11 h 01 min
